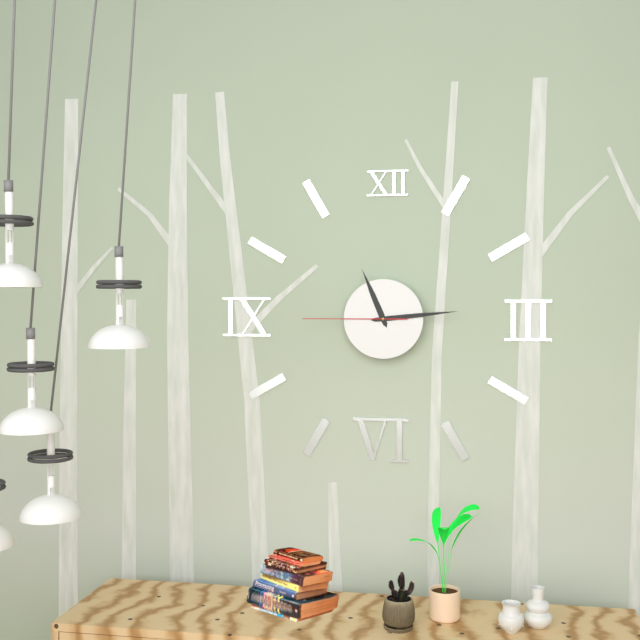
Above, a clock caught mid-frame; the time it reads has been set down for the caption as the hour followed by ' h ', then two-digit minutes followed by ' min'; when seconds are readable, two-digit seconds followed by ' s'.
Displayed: 11 h 14 min 45 s
